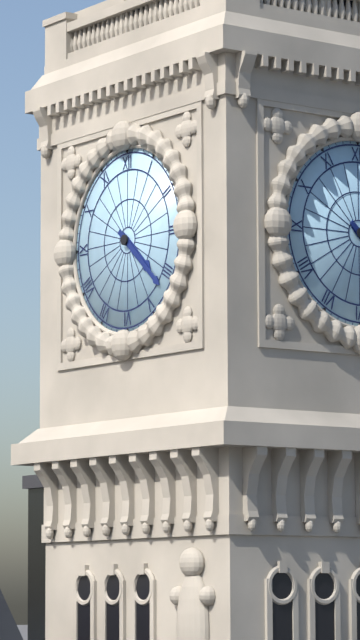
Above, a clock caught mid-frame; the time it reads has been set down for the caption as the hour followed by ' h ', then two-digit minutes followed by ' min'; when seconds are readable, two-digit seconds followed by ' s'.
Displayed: 4 h 22 min
